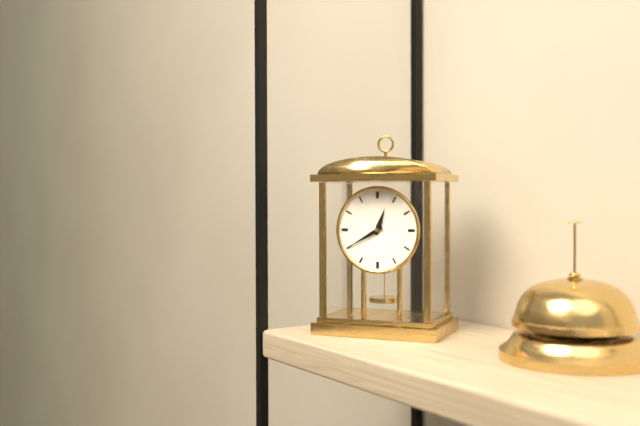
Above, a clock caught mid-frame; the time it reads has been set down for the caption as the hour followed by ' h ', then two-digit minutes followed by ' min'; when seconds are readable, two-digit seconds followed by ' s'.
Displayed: 12 h 40 min
